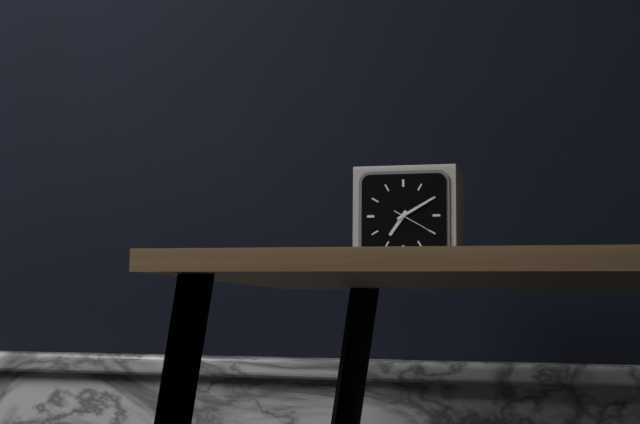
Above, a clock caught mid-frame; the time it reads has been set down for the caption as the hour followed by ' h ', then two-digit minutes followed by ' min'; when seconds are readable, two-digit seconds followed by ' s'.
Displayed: 7 h 10 min
